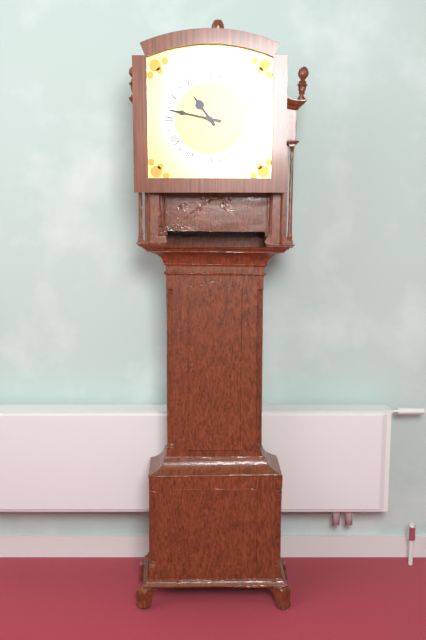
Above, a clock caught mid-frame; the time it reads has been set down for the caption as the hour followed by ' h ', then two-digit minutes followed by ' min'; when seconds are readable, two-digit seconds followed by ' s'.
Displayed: 10 h 47 min
